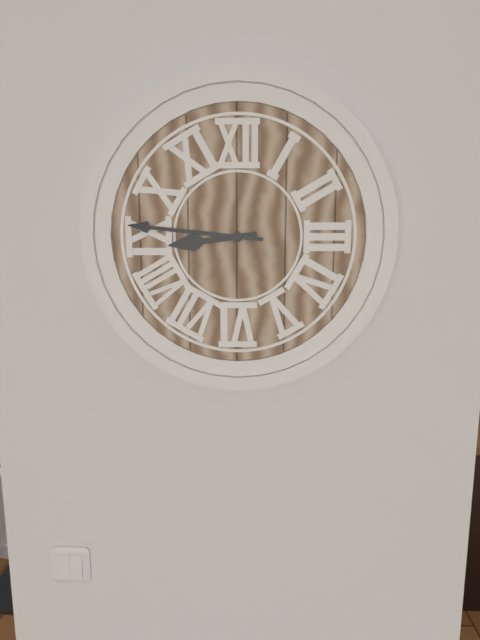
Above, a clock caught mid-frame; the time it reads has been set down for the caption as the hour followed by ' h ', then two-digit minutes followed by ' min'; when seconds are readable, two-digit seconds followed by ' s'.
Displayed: 8 h 46 min
